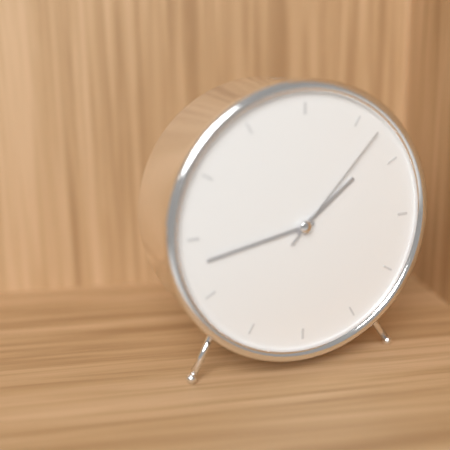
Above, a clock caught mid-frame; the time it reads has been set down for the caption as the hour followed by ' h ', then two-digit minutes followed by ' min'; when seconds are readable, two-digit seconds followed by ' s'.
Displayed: 1 h 43 min 07 s
